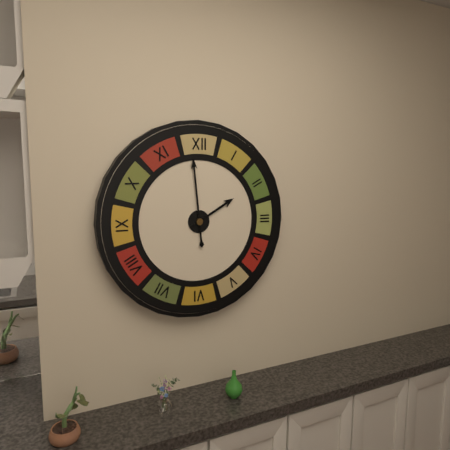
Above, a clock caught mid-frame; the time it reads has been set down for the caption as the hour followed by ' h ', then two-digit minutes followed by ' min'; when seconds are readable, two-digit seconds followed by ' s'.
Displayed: 1 h 59 min
